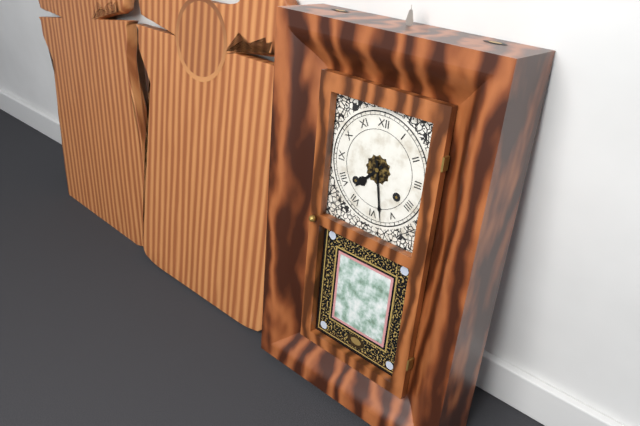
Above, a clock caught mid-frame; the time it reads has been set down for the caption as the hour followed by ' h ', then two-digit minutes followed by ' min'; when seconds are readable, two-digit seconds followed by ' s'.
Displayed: 7 h 28 min
